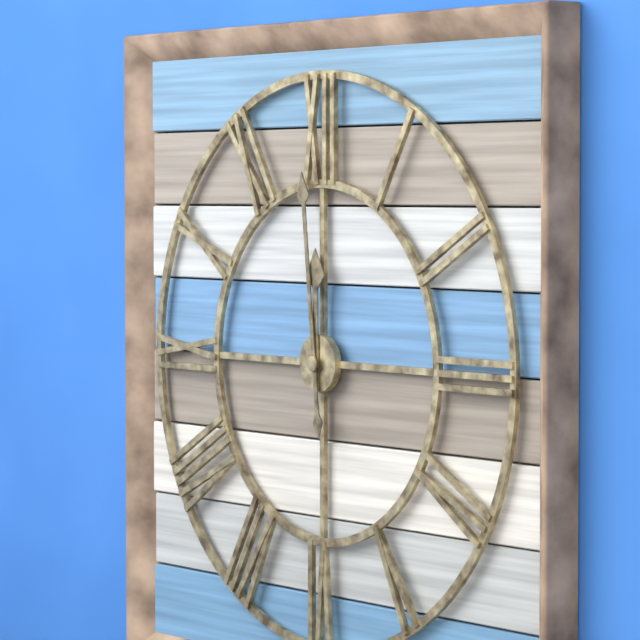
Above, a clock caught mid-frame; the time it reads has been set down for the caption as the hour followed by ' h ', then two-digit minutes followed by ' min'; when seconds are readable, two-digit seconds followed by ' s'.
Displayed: 11 h 59 min
